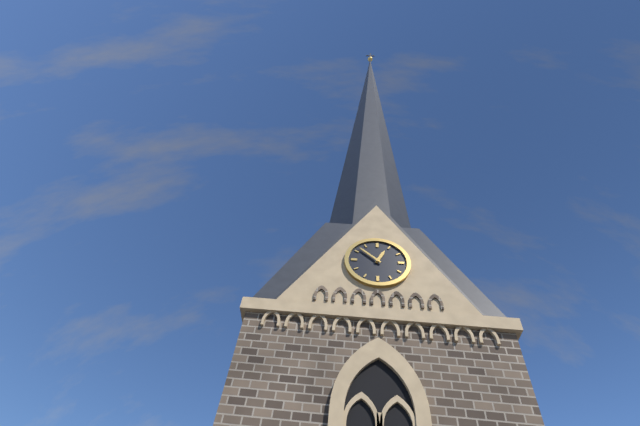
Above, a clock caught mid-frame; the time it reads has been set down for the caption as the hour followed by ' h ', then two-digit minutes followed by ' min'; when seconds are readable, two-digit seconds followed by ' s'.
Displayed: 12 h 52 min
